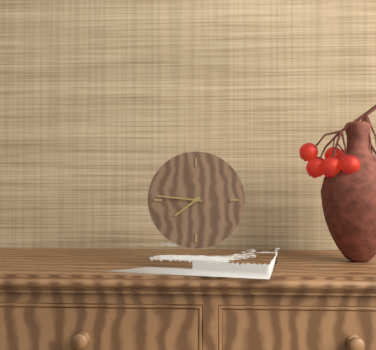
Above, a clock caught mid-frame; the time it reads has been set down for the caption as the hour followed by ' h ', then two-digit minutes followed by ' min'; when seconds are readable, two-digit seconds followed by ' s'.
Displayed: 7 h 46 min
